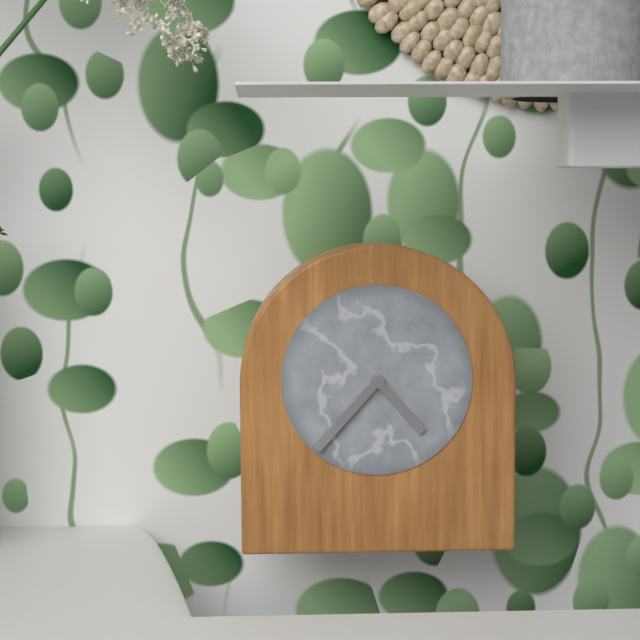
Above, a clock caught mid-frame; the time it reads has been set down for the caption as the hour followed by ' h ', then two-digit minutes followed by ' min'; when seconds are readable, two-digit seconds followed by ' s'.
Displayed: 4 h 37 min
